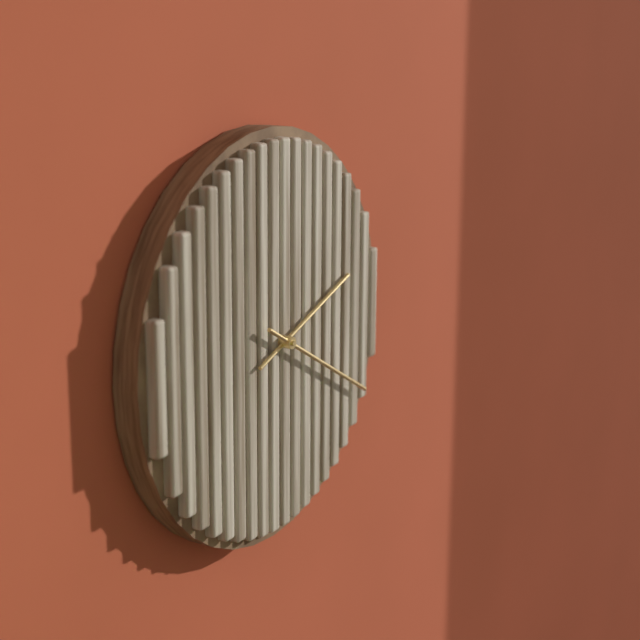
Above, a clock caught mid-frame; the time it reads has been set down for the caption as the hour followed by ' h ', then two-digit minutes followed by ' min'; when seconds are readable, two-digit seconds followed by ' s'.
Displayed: 2 h 20 min
